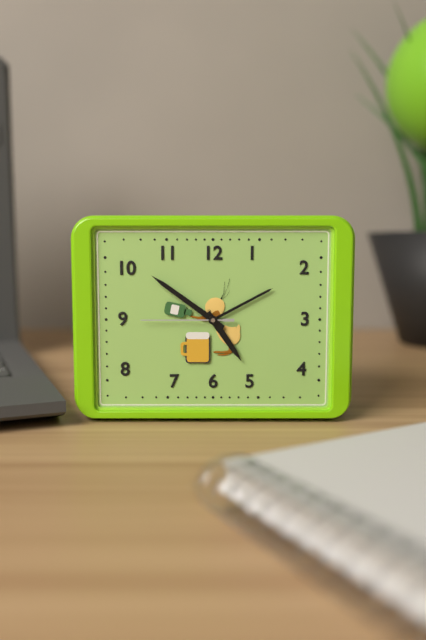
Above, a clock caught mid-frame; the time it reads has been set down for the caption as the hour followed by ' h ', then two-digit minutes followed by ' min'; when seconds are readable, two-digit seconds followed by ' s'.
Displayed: 4 h 51 min 45 s
